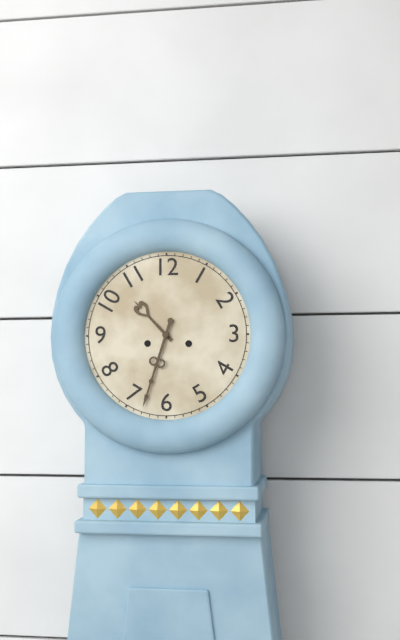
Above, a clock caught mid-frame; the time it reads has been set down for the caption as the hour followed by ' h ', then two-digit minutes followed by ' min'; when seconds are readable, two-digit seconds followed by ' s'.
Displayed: 10 h 33 min
